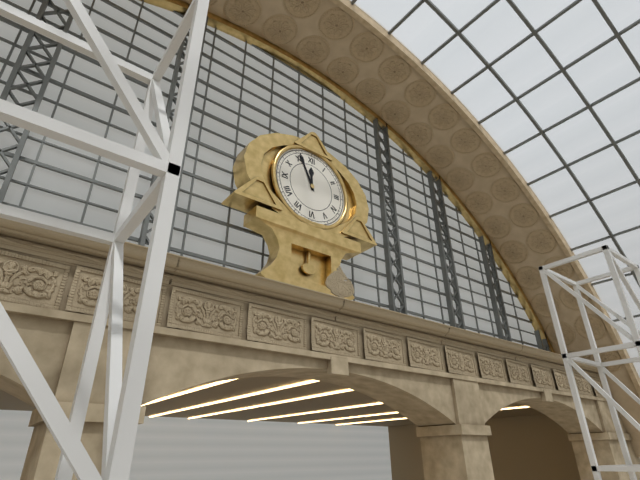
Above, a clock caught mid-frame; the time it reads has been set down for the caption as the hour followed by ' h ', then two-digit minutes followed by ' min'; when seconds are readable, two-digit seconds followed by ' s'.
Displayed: 11 h 56 min
